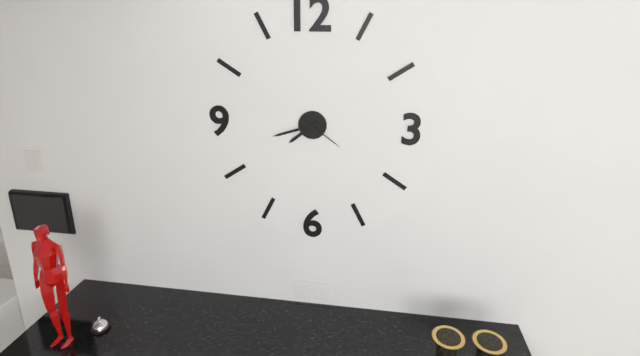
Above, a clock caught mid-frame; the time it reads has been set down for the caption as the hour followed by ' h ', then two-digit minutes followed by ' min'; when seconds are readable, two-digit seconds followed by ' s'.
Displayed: 7 h 42 min
